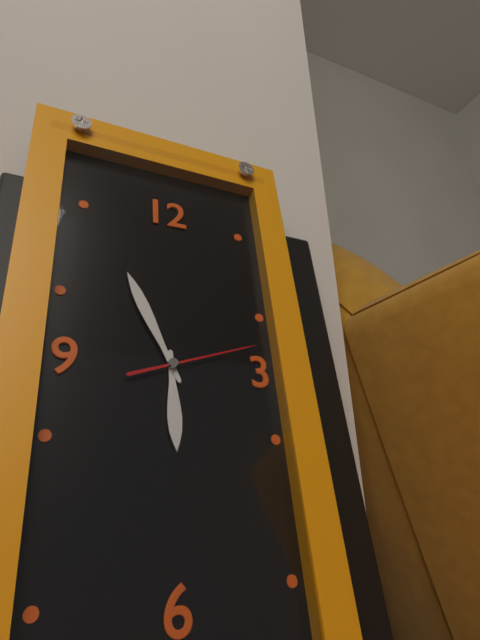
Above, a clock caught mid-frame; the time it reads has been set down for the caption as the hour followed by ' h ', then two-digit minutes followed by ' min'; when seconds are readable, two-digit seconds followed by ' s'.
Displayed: 5 h 56 min 12 s
